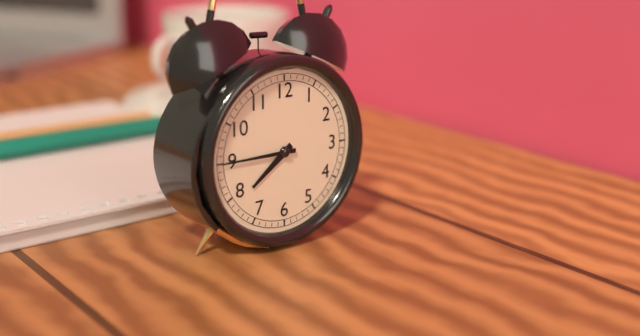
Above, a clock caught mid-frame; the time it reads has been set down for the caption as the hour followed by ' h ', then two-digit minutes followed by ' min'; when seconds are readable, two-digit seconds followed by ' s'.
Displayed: 7 h 45 min
